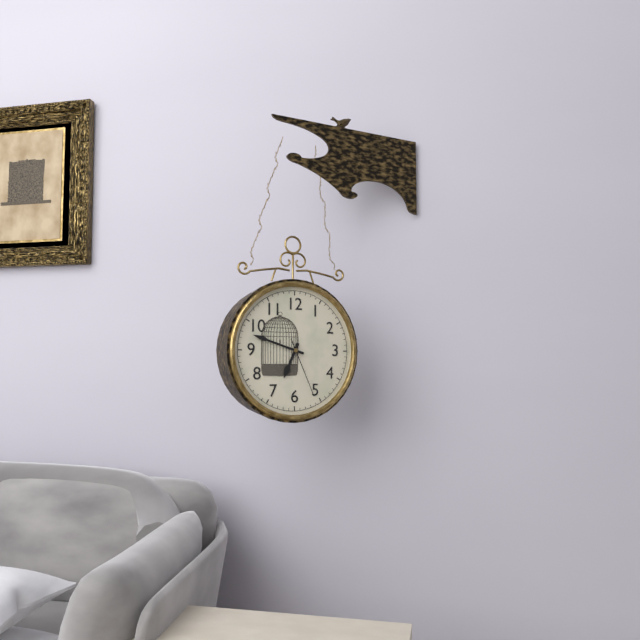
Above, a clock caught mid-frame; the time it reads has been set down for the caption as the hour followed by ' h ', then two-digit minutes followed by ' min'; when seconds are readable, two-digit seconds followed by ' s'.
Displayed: 6 h 48 min 26 s
